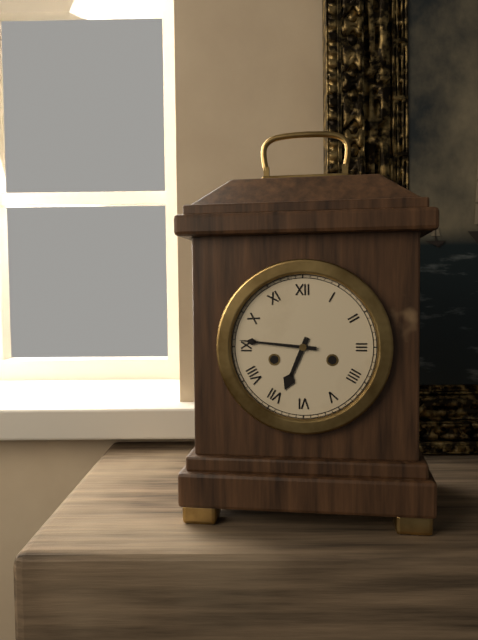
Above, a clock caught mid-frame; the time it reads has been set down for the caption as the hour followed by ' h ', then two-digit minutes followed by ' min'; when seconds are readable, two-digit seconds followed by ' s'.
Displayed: 6 h 46 min
